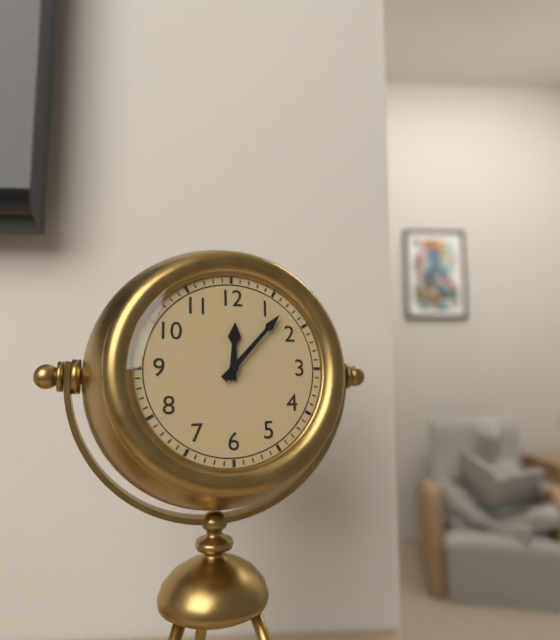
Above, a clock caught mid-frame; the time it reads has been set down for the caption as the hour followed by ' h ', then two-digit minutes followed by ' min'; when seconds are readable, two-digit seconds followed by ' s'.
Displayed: 12 h 07 min
